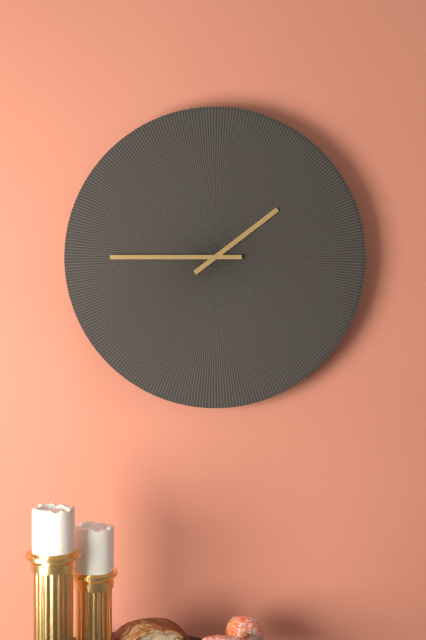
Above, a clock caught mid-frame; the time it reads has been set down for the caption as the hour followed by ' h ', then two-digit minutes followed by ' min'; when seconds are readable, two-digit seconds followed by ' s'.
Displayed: 1 h 45 min
